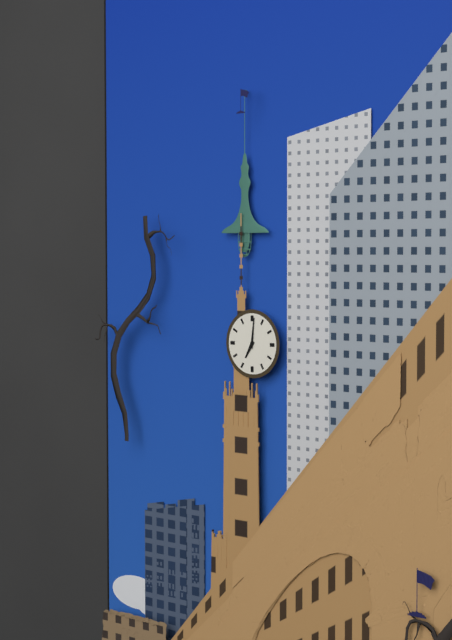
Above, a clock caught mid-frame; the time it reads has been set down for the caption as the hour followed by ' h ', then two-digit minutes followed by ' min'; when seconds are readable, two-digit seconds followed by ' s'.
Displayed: 7 h 01 min
